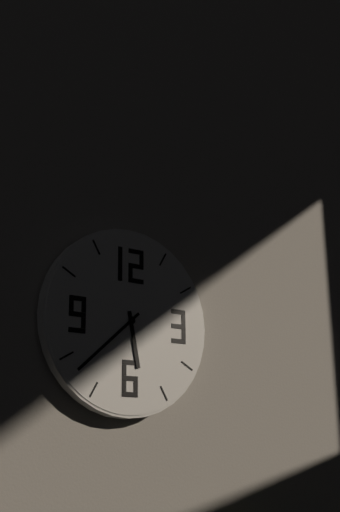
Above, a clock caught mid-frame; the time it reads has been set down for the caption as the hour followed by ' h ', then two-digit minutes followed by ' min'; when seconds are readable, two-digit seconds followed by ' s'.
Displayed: 5 h 38 min
